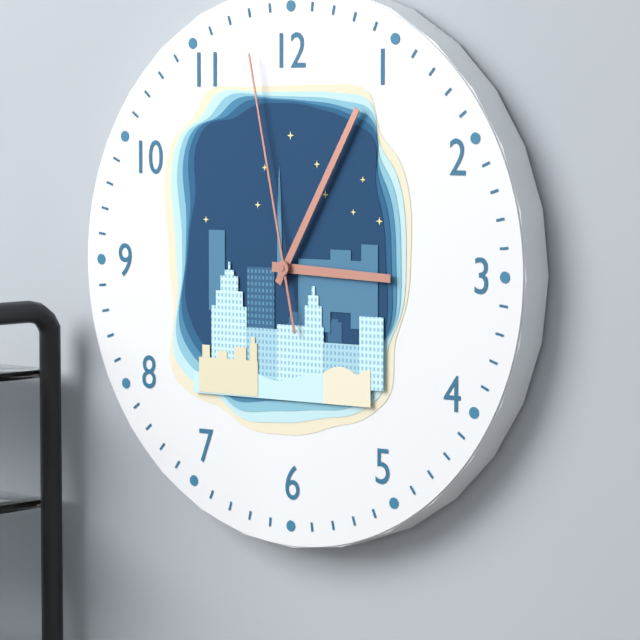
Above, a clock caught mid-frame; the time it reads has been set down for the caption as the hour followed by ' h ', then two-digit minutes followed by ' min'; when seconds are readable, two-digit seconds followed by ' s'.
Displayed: 3 h 05 min 58 s
